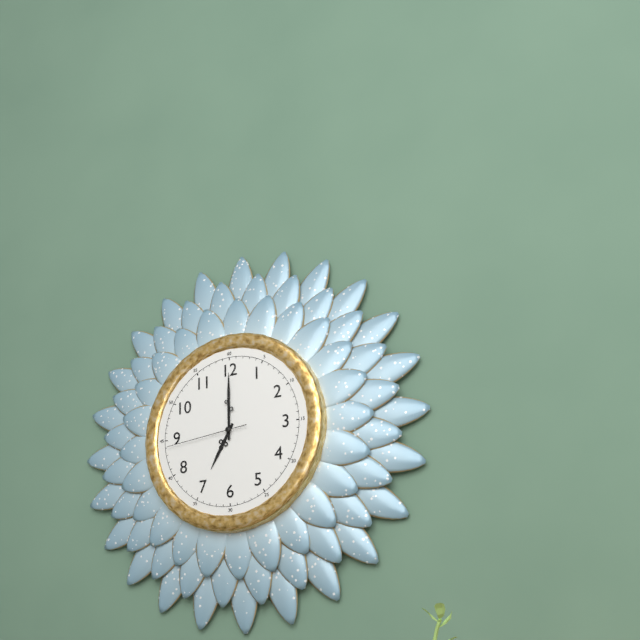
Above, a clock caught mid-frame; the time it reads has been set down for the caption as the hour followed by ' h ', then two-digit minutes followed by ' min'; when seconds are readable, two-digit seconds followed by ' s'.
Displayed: 7 h 00 min 44 s
